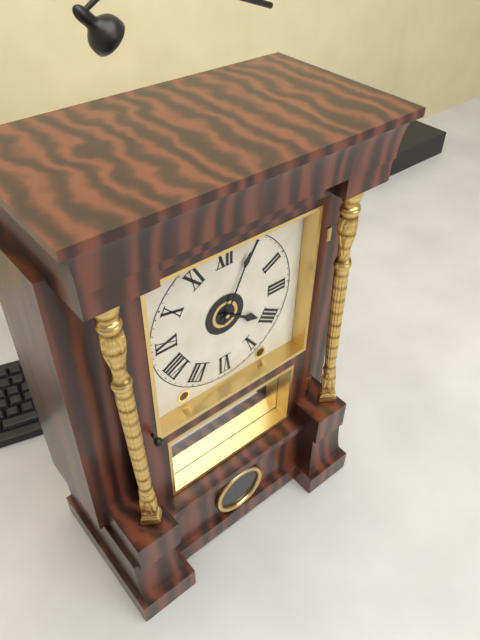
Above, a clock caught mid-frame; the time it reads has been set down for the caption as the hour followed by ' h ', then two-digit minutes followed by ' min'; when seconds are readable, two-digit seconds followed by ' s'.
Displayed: 4 h 04 min
